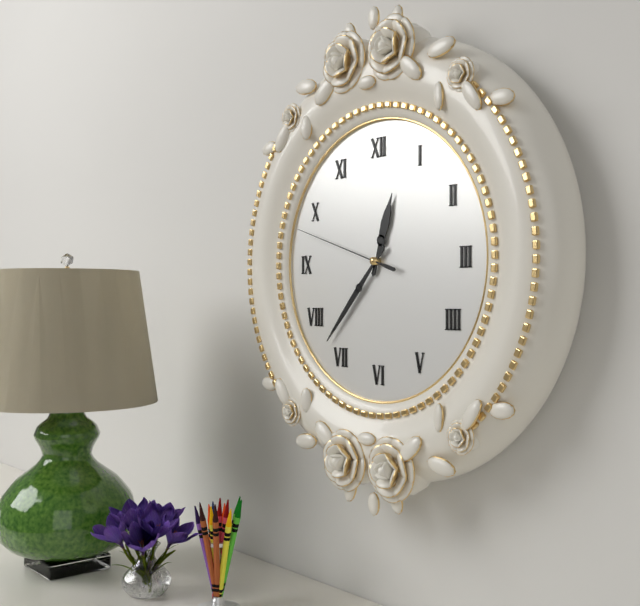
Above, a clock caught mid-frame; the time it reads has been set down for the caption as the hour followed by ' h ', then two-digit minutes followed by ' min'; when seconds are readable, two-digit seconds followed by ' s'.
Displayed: 12 h 37 min 48 s
